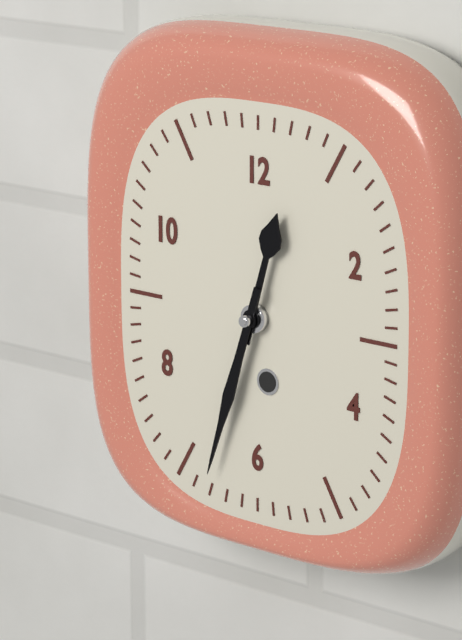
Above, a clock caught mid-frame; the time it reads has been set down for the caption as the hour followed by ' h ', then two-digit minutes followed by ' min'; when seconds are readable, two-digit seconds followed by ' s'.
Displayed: 12 h 33 min
